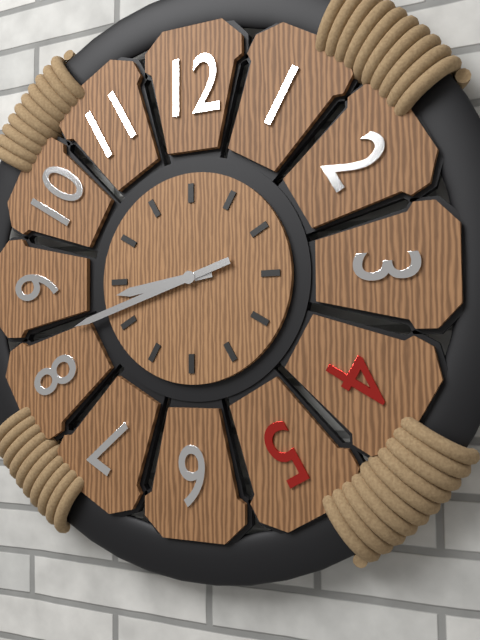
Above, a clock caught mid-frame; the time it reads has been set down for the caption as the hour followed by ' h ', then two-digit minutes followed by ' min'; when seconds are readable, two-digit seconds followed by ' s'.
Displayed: 8 h 42 min
